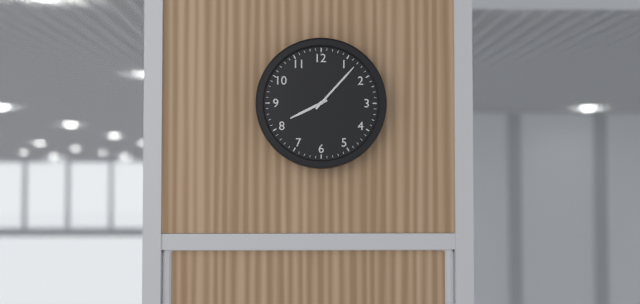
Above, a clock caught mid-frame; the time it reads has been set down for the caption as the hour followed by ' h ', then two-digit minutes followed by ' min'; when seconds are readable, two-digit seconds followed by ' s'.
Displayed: 8 h 07 min
